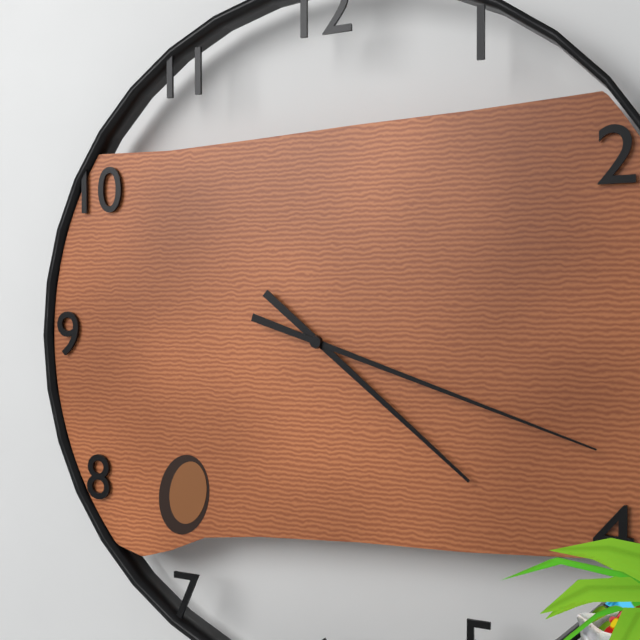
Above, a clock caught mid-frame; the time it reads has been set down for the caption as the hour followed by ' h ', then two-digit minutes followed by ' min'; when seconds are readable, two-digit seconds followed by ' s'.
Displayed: 4 h 18 min
